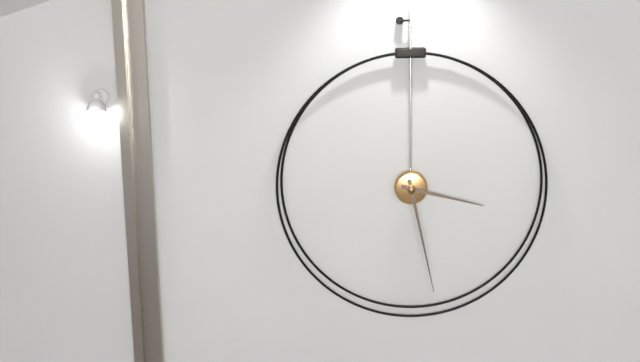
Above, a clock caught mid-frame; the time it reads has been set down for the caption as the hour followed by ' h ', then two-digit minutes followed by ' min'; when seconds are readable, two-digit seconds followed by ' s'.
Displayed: 3 h 28 min
